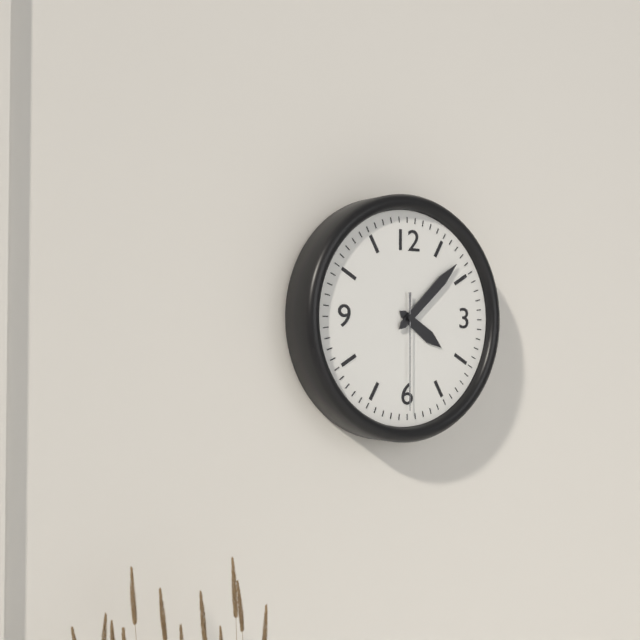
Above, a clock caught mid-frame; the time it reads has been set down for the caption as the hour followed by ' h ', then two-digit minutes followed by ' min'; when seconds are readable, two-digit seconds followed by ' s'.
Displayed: 4 h 08 min 30 s
